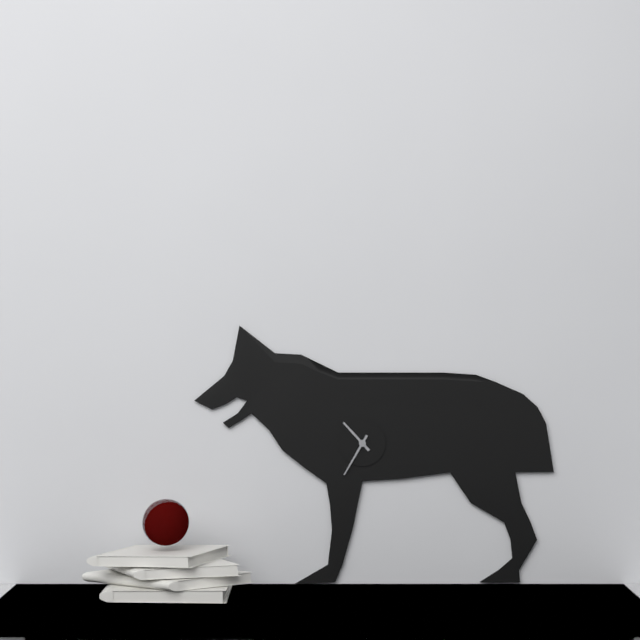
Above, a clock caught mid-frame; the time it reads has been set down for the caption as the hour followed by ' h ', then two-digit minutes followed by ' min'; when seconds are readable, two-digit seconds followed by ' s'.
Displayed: 10 h 35 min
